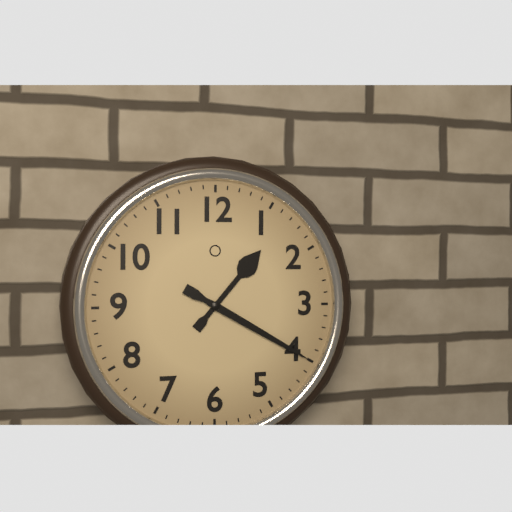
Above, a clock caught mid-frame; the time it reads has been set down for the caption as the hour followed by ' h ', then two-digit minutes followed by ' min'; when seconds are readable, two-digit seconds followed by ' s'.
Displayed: 1 h 20 min
